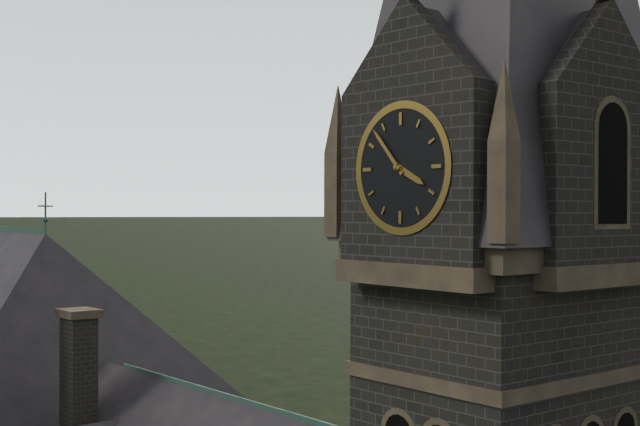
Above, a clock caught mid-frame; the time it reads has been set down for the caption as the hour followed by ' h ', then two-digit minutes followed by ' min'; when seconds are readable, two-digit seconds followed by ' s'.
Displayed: 3 h 53 min
